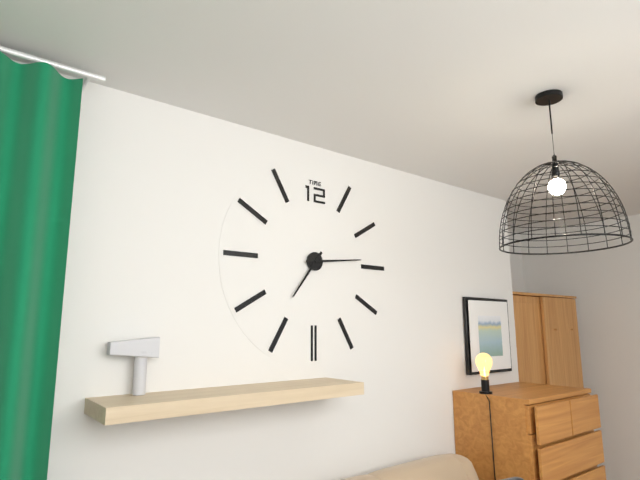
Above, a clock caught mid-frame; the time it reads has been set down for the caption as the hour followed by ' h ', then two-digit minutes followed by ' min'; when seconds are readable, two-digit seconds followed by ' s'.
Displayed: 7 h 14 min
